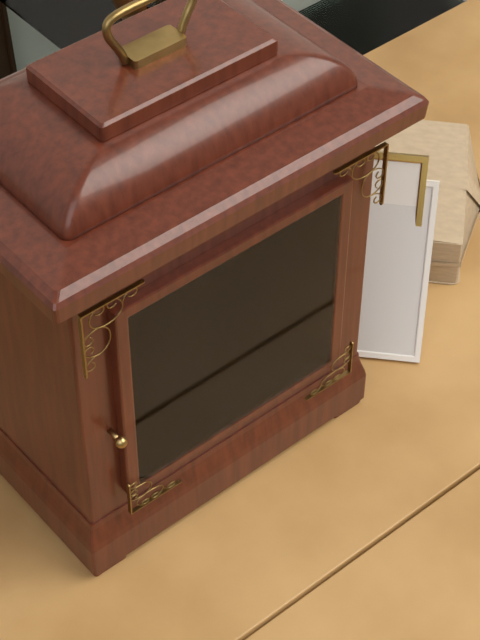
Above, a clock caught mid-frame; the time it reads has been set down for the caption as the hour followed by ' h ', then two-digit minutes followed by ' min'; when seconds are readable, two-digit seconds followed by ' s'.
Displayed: 8 h 45 min
